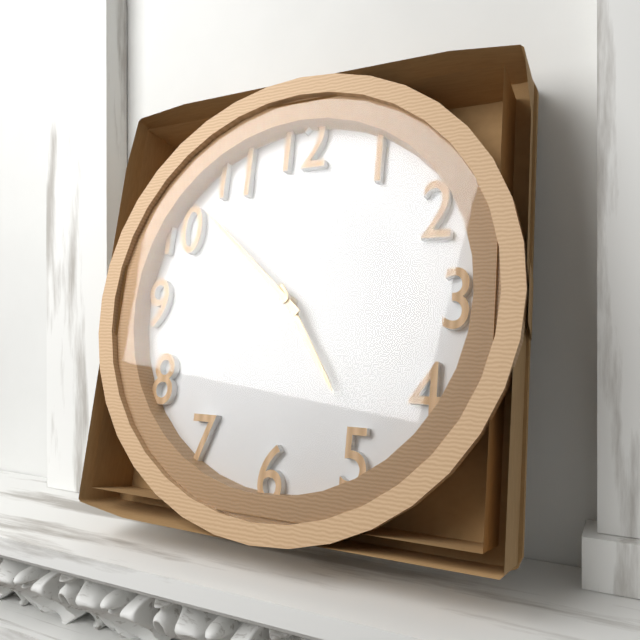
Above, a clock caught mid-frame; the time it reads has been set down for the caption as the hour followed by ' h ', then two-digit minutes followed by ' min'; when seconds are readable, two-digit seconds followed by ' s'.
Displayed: 4 h 52 min
